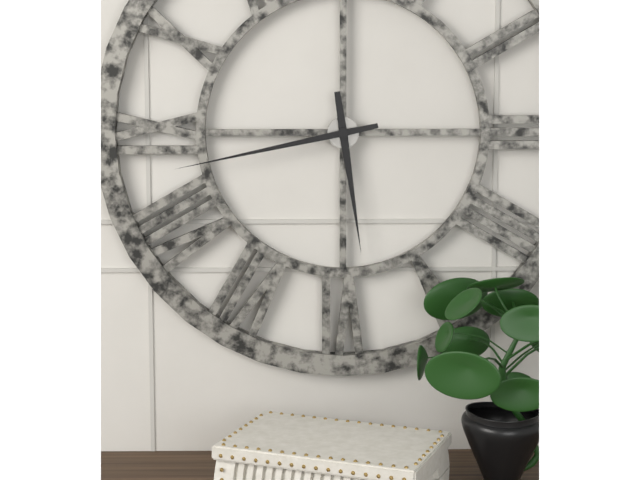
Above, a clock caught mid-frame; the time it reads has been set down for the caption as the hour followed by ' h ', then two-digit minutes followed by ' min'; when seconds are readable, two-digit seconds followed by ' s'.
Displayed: 5 h 43 min
